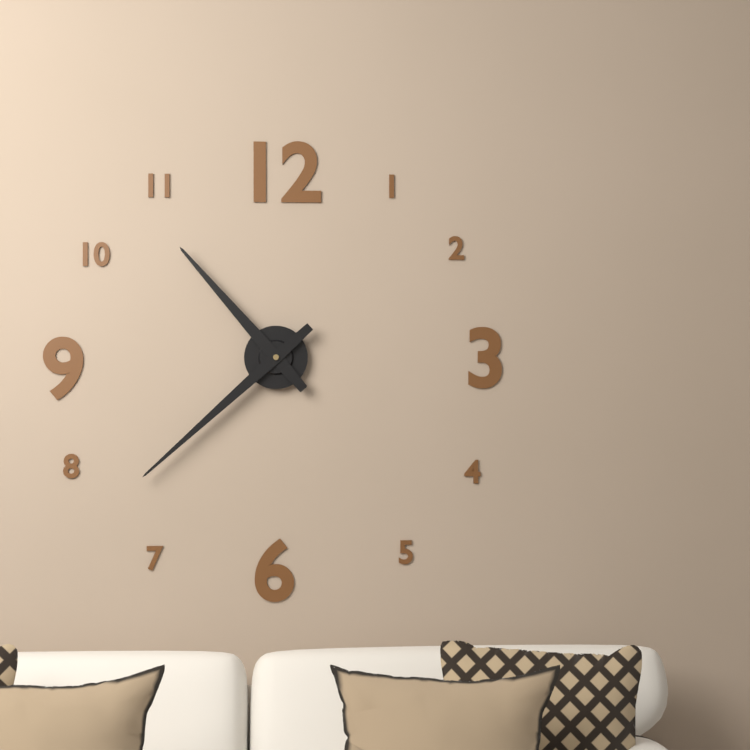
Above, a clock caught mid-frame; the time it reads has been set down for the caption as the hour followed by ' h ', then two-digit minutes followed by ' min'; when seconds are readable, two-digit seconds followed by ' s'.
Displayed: 10 h 38 min
